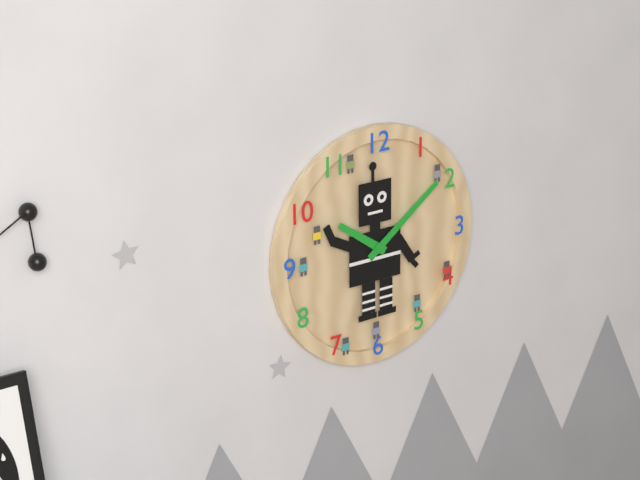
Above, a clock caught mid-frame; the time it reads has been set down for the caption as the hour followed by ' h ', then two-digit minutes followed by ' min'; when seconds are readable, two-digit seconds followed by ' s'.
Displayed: 10 h 09 min
